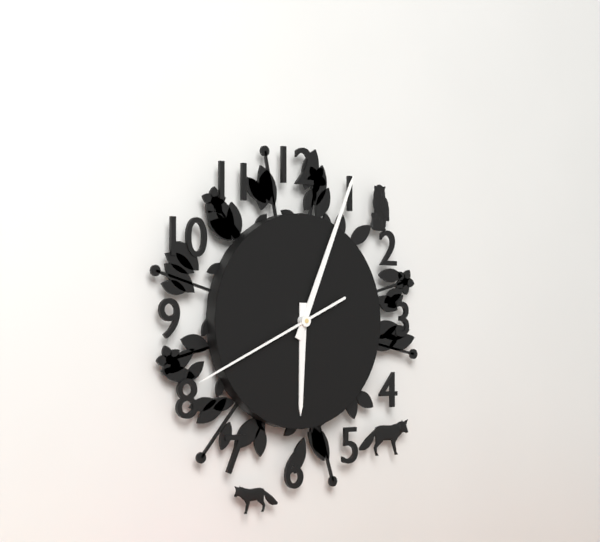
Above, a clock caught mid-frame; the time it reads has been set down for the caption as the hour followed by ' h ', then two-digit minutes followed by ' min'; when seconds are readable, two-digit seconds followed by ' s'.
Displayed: 6 h 04 min 41 s
